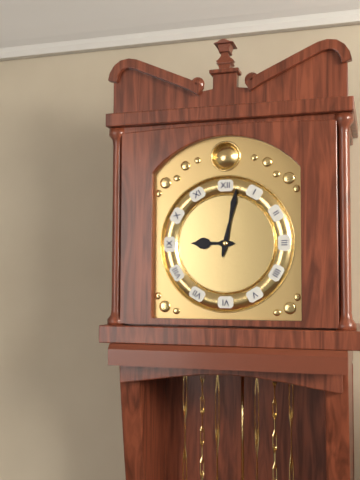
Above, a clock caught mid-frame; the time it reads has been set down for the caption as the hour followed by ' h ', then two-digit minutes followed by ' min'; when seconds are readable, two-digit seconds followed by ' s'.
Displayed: 9 h 02 min
